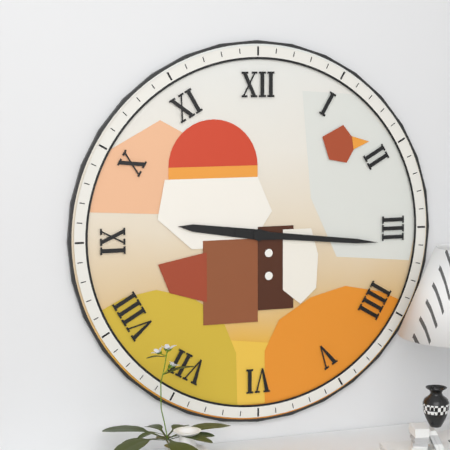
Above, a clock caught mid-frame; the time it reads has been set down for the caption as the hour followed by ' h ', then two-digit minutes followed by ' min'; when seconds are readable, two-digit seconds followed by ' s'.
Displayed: 9 h 16 min
